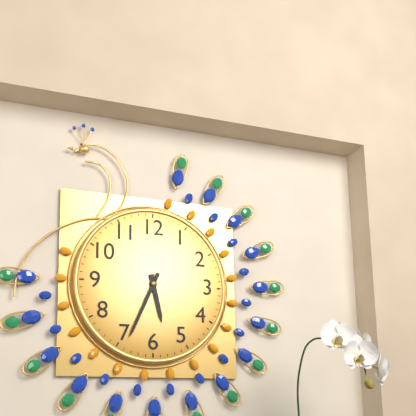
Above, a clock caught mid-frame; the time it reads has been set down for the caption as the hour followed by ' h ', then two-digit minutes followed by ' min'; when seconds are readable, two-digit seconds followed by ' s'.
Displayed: 5 h 34 min
